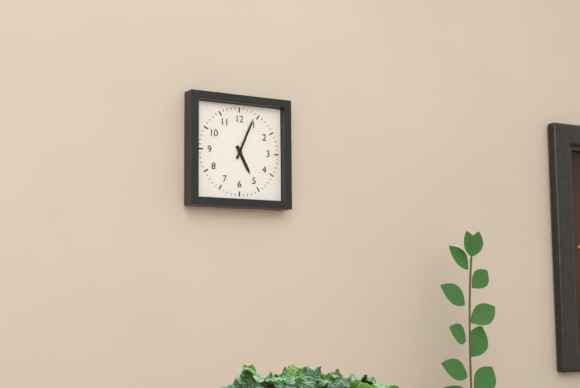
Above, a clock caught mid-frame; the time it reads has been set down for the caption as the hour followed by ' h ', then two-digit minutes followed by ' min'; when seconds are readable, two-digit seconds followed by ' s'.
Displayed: 5 h 04 min
